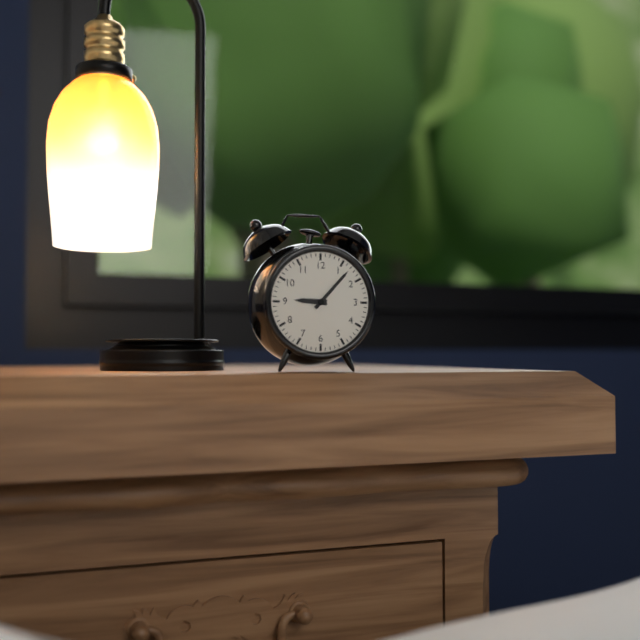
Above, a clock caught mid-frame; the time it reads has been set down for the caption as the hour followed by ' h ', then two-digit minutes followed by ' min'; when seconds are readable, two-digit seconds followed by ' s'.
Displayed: 9 h 07 min
